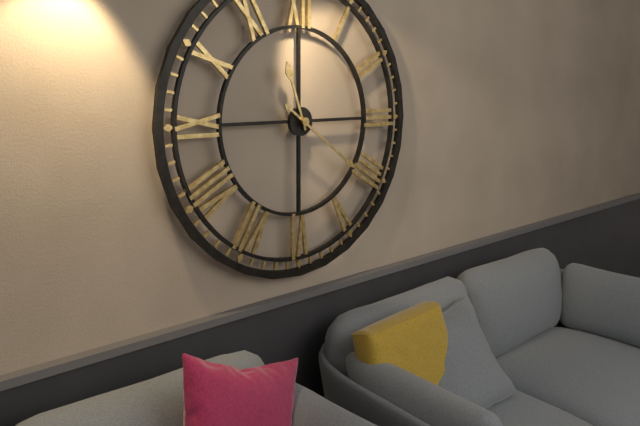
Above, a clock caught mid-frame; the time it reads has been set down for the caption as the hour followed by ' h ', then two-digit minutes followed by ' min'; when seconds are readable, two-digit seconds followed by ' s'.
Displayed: 11 h 21 min
